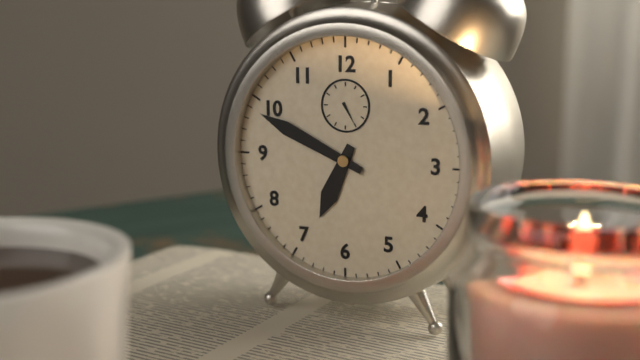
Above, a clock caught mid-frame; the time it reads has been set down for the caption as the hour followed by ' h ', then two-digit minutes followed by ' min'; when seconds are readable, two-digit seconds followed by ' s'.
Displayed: 6 h 49 min
